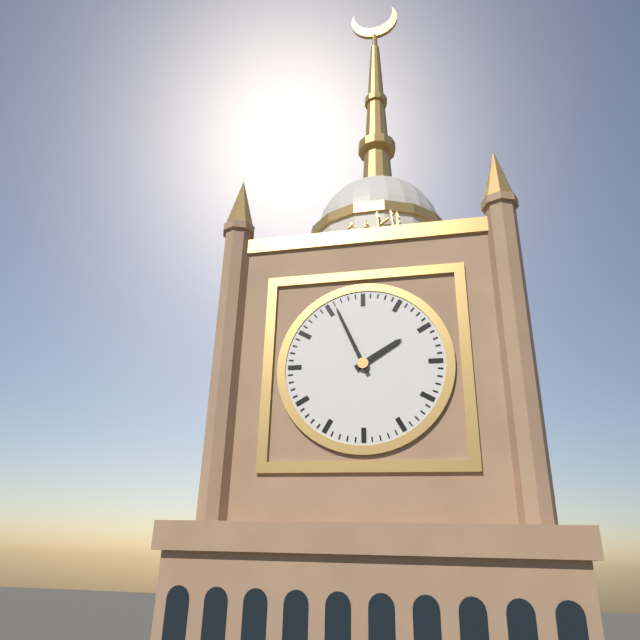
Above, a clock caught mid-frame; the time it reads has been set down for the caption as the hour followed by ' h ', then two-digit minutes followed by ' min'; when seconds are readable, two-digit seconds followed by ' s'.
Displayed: 1 h 56 min
